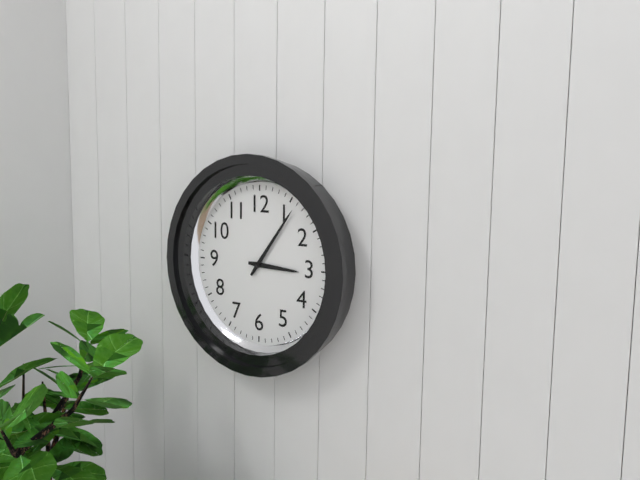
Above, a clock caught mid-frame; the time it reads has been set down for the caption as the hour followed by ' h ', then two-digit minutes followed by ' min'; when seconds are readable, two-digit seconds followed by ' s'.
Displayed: 3 h 06 min
